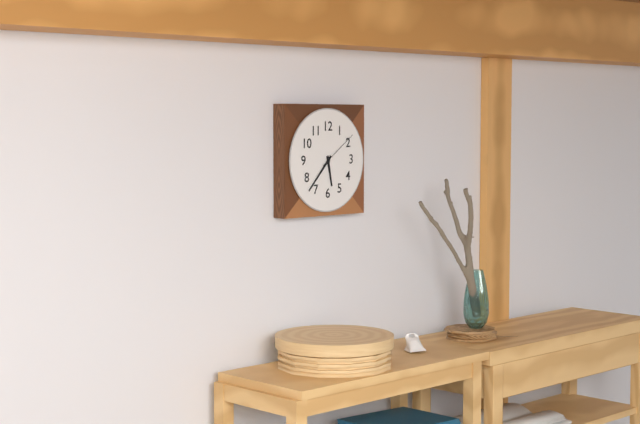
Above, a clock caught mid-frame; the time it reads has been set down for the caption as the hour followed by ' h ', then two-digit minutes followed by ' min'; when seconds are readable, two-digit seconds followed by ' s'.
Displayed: 5 h 37 min
